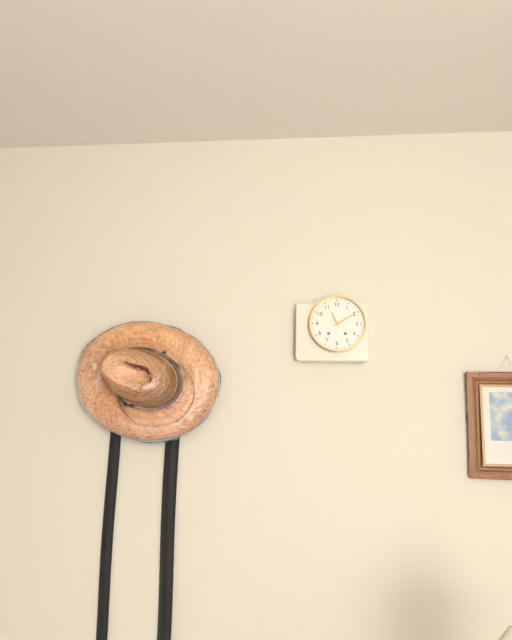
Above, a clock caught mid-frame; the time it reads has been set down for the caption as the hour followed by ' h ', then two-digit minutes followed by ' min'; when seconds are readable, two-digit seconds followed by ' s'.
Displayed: 11 h 10 min
